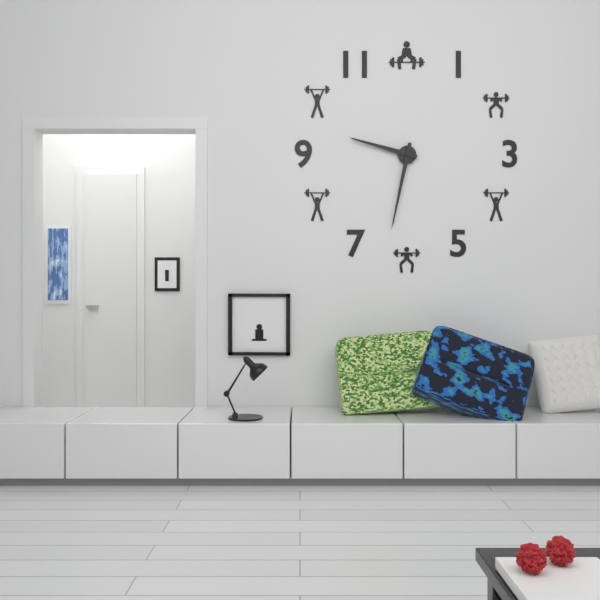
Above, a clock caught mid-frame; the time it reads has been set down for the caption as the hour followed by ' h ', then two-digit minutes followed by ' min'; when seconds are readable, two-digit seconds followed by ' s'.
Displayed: 9 h 32 min
